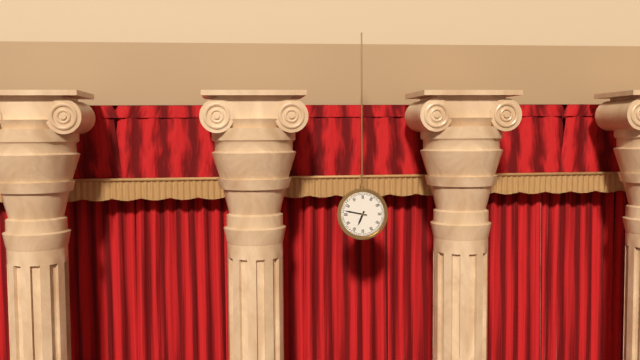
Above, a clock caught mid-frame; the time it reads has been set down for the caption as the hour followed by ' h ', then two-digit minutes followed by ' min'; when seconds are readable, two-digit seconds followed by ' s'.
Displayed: 6 h 47 min
